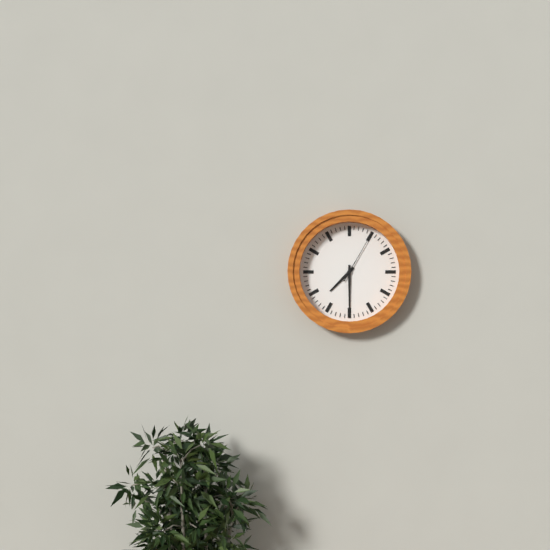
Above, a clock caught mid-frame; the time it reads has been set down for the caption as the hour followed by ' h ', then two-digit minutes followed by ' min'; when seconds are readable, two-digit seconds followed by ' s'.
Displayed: 7 h 30 min 05 s
